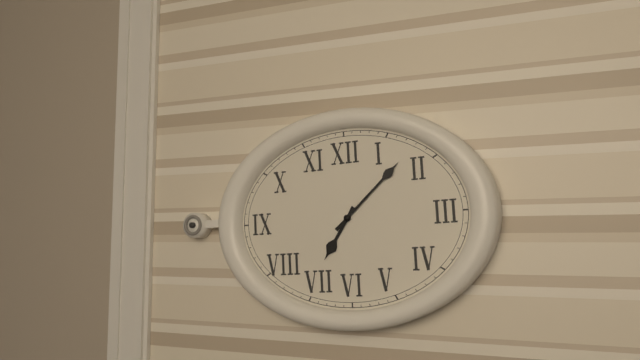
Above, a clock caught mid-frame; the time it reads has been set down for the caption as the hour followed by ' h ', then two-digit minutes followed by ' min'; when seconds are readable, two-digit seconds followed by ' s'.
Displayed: 7 h 08 min
